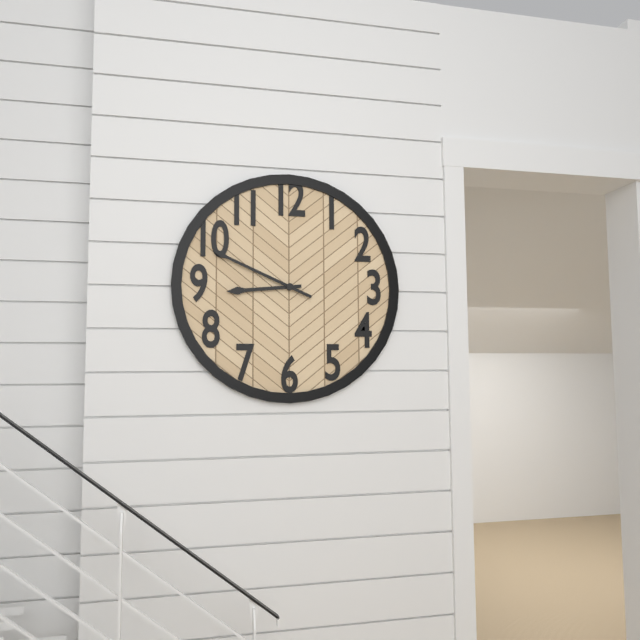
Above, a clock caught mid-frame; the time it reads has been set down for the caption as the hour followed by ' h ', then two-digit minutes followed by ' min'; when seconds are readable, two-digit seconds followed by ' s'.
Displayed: 8 h 49 min
